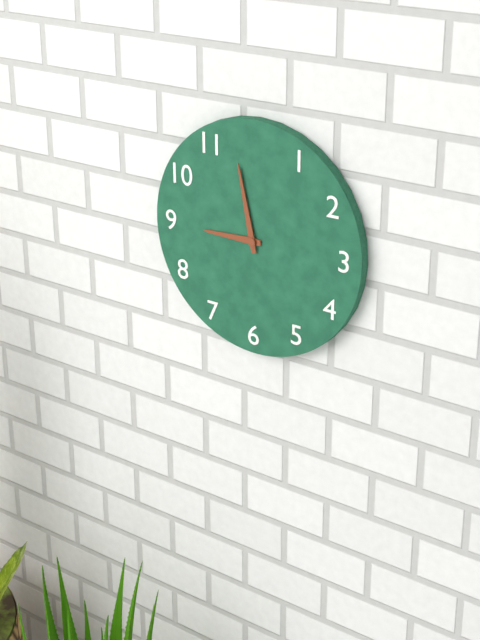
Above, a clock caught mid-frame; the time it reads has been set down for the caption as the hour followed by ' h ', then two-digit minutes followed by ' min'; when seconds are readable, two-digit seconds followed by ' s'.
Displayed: 8 h 58 min
